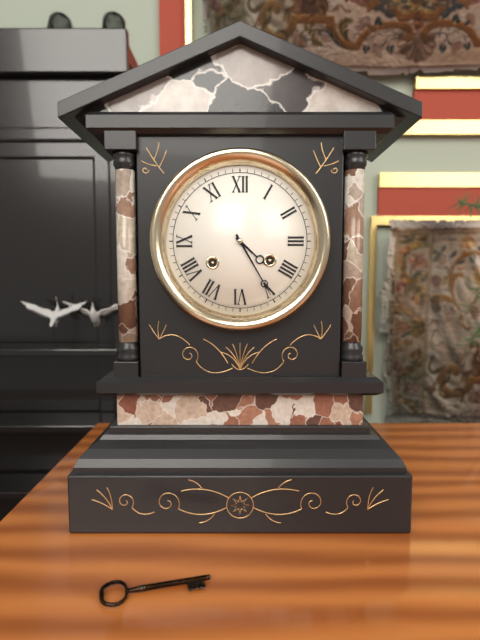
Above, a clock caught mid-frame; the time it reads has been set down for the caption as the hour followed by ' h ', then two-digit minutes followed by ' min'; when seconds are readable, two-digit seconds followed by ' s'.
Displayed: 4 h 25 min
